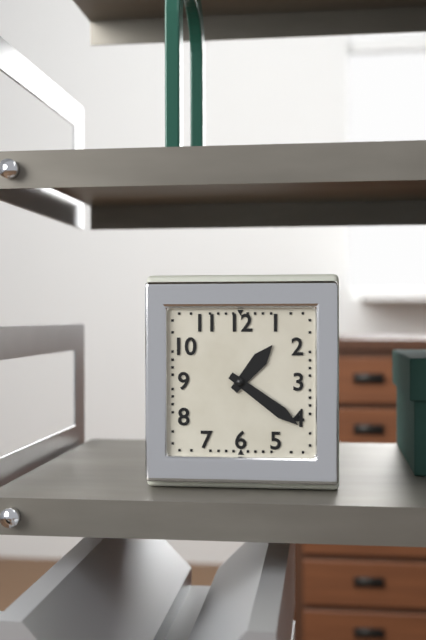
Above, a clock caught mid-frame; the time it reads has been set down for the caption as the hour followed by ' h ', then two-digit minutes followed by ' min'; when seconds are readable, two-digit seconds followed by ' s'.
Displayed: 1 h 21 min
